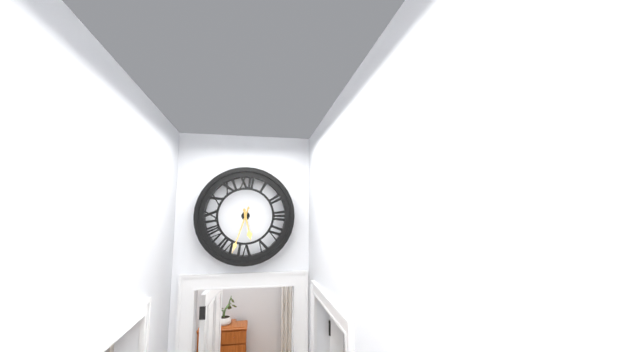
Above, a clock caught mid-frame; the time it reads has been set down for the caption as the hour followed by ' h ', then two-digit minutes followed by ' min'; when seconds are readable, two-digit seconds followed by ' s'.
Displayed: 5 h 33 min
